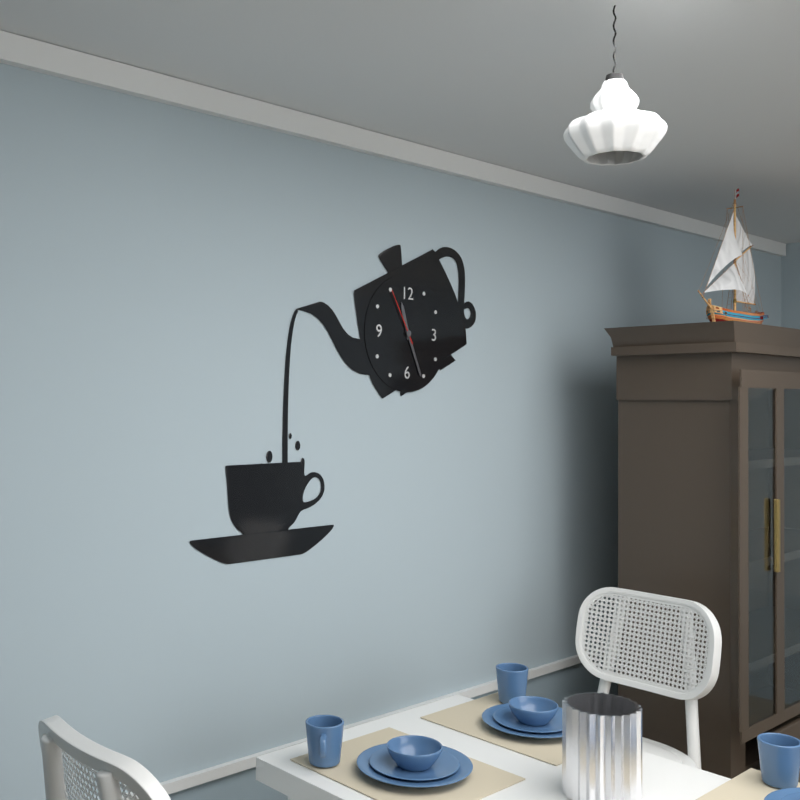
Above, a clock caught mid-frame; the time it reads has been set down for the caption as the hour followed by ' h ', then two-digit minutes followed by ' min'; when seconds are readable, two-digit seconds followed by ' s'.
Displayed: 11 h 26 min 55 s
